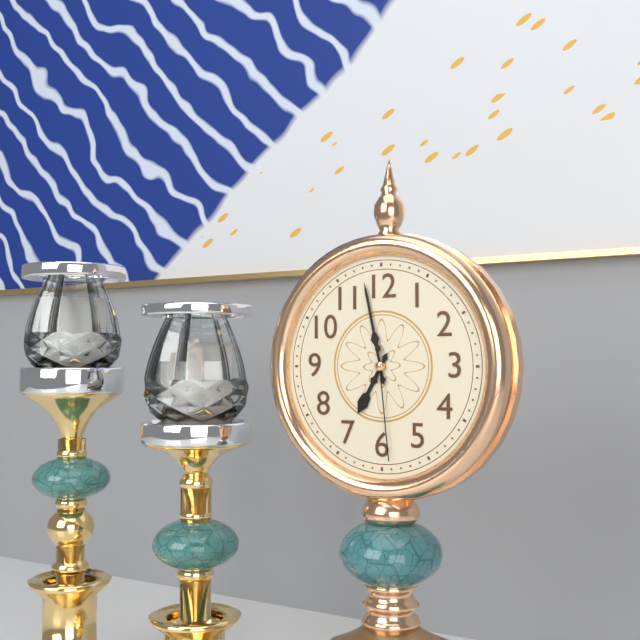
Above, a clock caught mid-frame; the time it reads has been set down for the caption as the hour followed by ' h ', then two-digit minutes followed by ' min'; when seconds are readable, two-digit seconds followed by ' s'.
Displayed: 6 h 58 min 29 s
